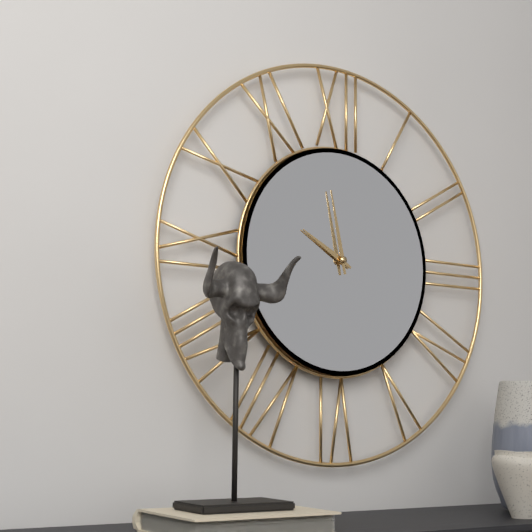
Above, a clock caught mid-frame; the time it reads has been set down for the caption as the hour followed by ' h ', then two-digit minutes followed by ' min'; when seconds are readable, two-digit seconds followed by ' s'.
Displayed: 9 h 58 min
